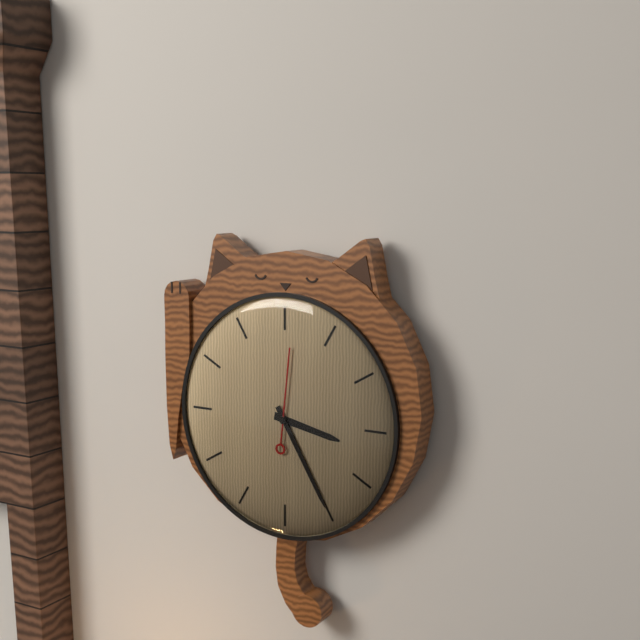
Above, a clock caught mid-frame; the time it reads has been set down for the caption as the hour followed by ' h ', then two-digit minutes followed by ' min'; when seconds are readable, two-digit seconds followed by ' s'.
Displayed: 3 h 25 min 01 s
